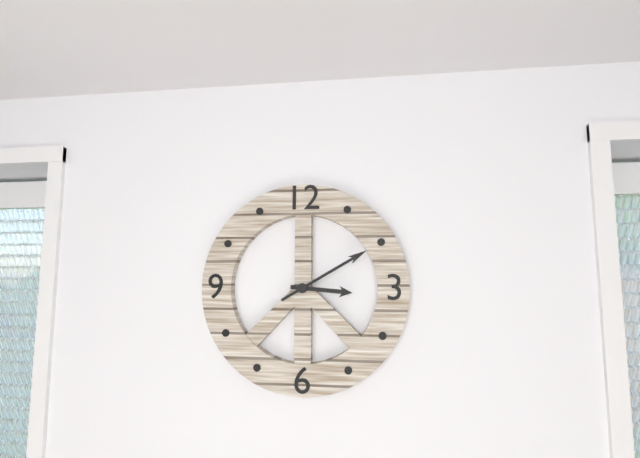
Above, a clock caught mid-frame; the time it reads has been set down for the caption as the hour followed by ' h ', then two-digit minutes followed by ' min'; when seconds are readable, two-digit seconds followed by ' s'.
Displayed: 3 h 10 min
